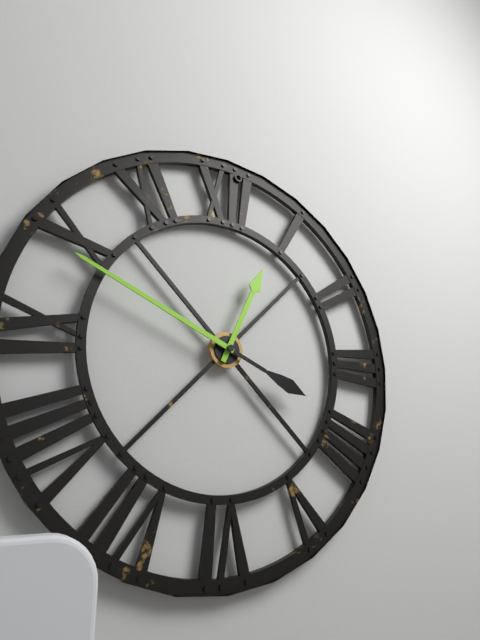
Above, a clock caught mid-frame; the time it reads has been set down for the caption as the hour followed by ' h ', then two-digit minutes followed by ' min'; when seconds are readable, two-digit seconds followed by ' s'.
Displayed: 12 h 49 min
